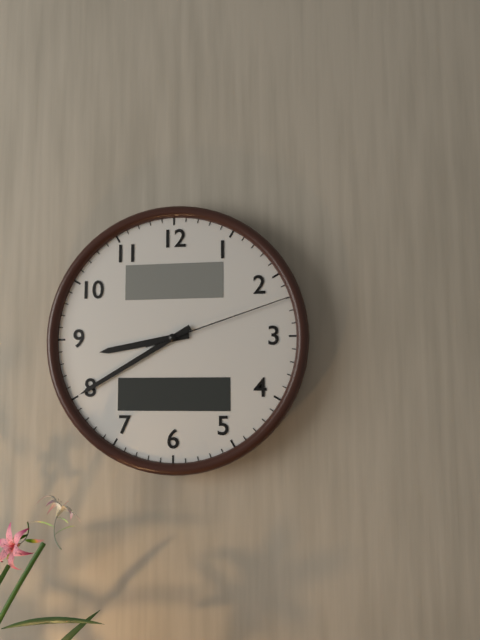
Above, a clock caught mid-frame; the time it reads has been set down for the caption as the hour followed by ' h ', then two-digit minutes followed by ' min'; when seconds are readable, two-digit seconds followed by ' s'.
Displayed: 8 h 40 min 12 s
